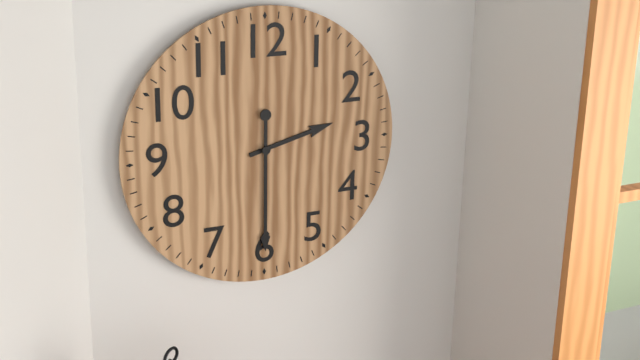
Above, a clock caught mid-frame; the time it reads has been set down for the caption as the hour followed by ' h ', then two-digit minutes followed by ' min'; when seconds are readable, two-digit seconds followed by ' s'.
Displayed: 2 h 30 min
